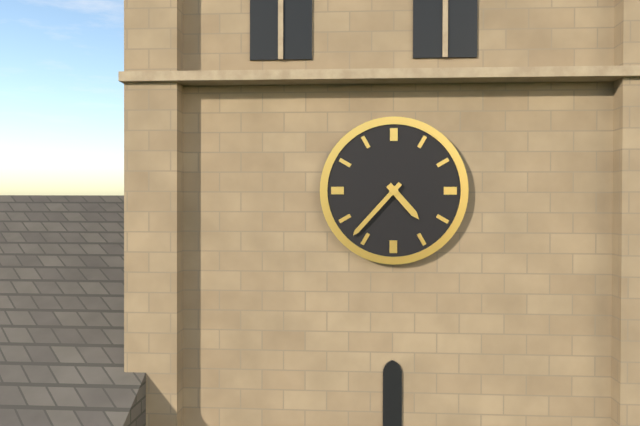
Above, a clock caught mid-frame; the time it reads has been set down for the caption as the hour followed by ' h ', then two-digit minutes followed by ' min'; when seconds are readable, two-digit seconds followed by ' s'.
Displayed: 4 h 37 min
